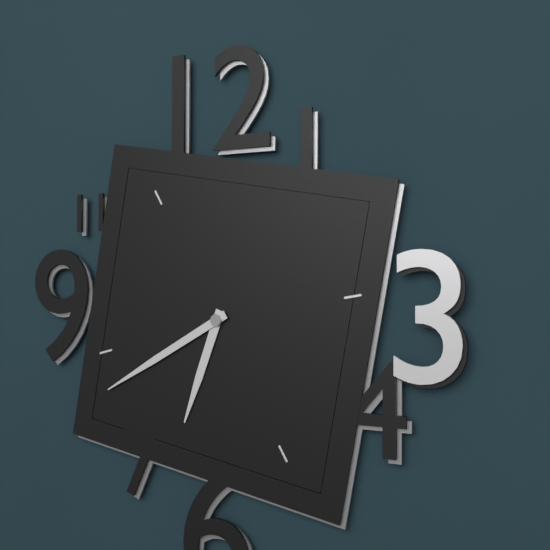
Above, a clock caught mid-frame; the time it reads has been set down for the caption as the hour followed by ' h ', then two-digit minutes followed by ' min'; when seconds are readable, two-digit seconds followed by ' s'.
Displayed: 6 h 40 min
